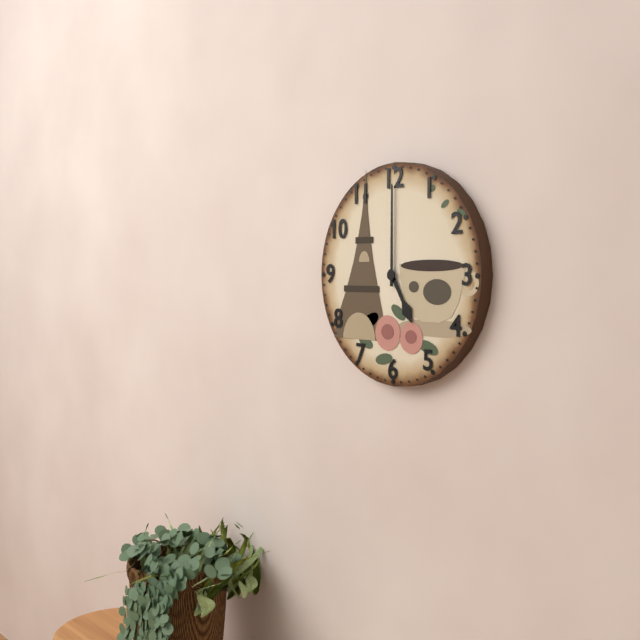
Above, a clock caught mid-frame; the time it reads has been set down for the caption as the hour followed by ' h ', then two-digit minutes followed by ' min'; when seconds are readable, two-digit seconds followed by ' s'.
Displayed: 5 h 00 min
